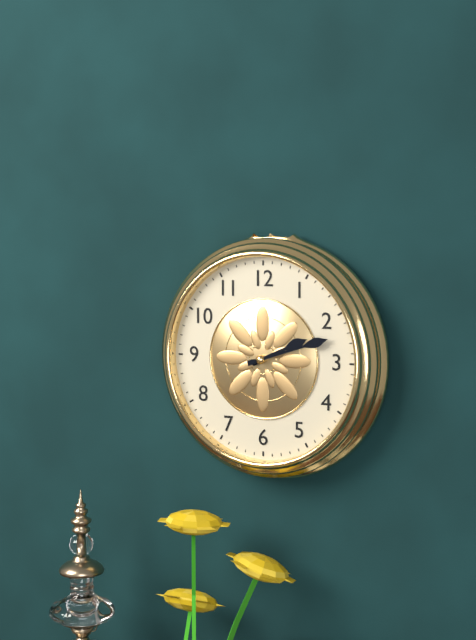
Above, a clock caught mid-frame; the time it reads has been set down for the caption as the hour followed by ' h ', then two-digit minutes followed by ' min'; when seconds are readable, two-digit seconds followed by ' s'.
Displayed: 2 h 12 min
